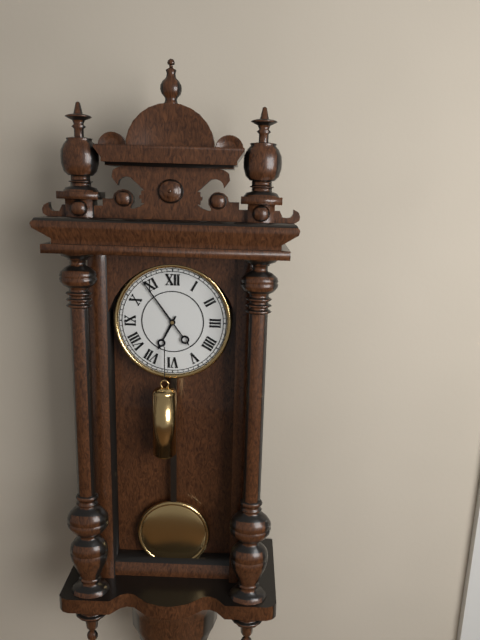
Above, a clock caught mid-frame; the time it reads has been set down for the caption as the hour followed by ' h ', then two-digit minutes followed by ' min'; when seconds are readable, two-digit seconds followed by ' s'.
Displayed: 6 h 54 min
